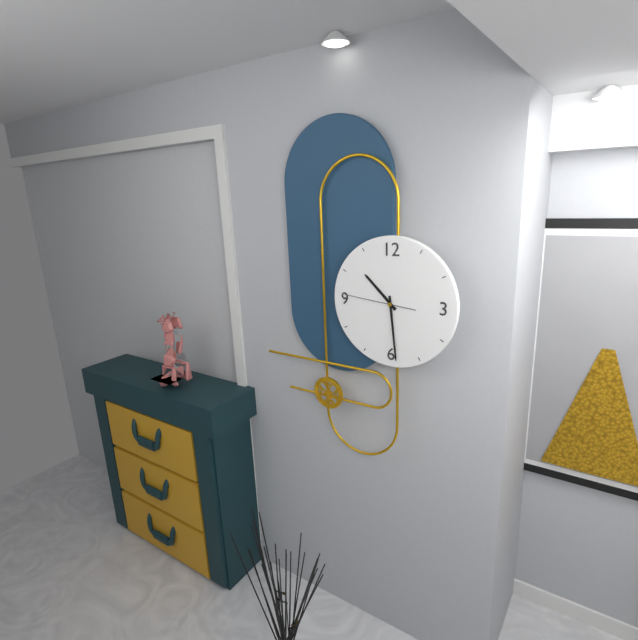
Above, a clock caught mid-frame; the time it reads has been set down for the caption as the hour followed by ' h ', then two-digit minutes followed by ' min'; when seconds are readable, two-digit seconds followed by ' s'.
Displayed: 10 h 29 min 46 s
